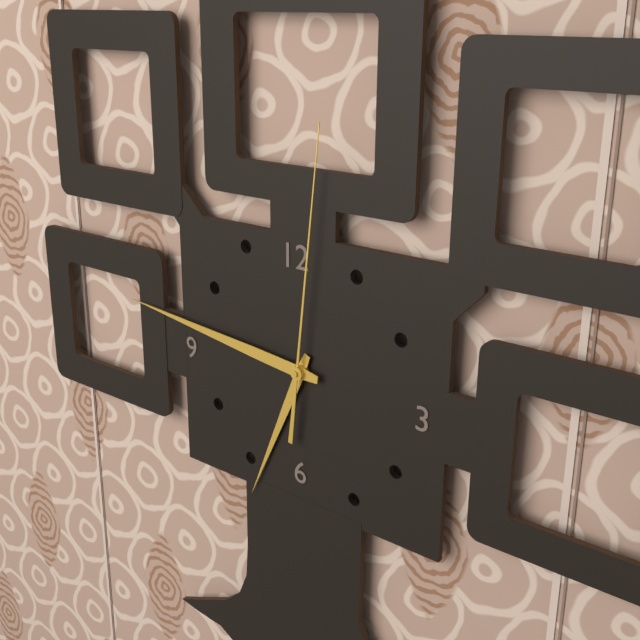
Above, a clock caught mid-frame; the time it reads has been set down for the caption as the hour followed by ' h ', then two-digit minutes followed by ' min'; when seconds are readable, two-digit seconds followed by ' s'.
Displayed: 6 h 46 min 01 s
